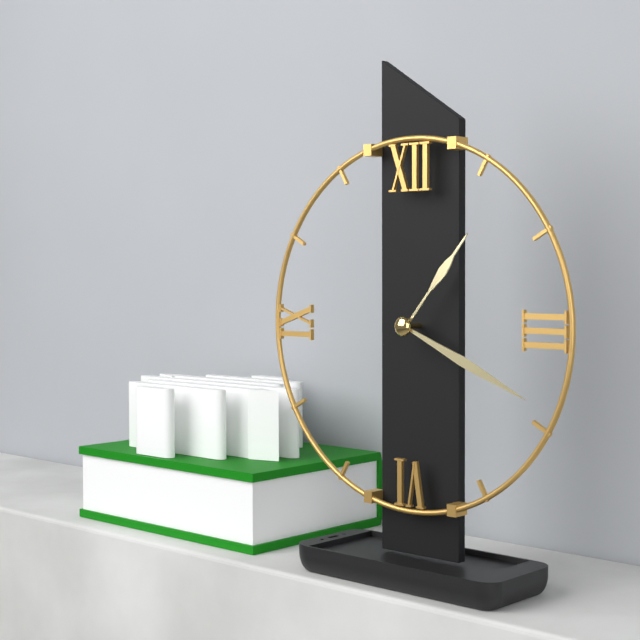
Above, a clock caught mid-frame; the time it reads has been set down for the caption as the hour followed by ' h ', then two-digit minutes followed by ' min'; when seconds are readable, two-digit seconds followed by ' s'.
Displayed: 1 h 19 min
